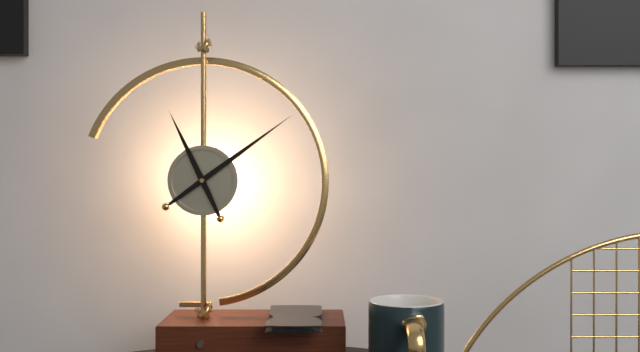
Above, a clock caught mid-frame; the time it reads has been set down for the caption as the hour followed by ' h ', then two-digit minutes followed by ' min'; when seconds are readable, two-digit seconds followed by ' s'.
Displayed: 11 h 09 min
